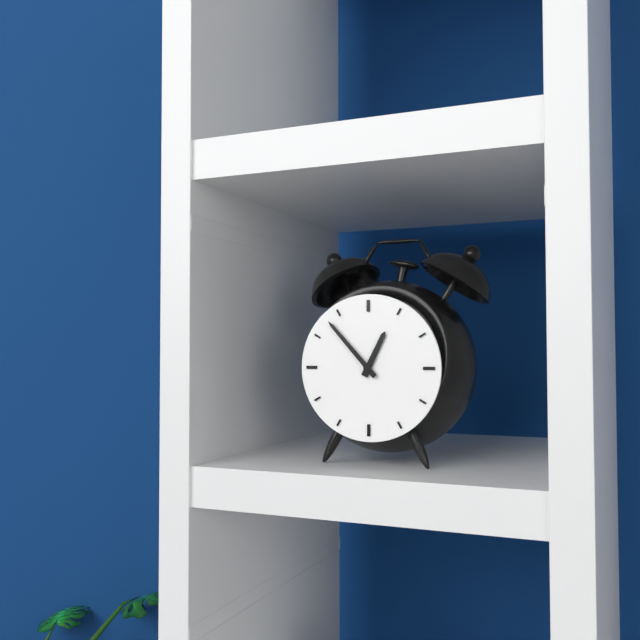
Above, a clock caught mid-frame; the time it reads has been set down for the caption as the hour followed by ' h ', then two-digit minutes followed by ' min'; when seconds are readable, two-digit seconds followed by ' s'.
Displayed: 12 h 53 min
